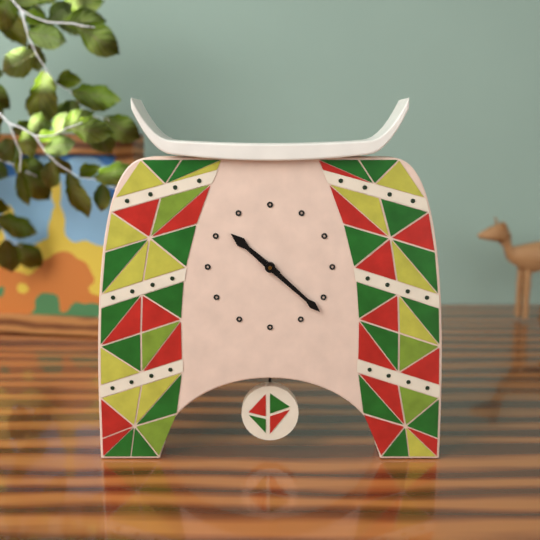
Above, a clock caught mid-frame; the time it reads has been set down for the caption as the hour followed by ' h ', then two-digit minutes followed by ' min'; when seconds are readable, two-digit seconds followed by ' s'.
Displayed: 10 h 22 min
